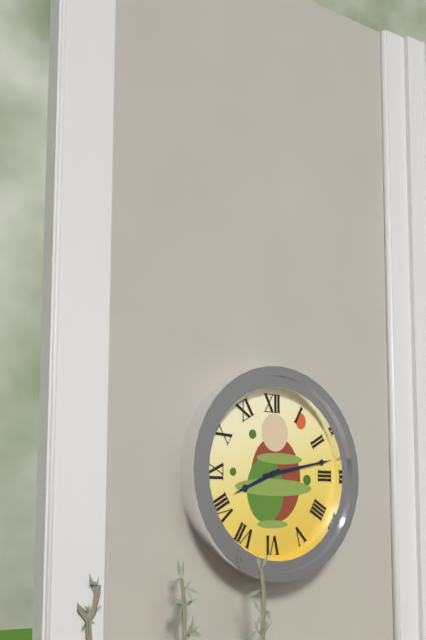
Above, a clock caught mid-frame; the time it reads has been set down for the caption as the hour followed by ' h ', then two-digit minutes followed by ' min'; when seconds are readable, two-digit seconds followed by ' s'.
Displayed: 8 h 13 min
